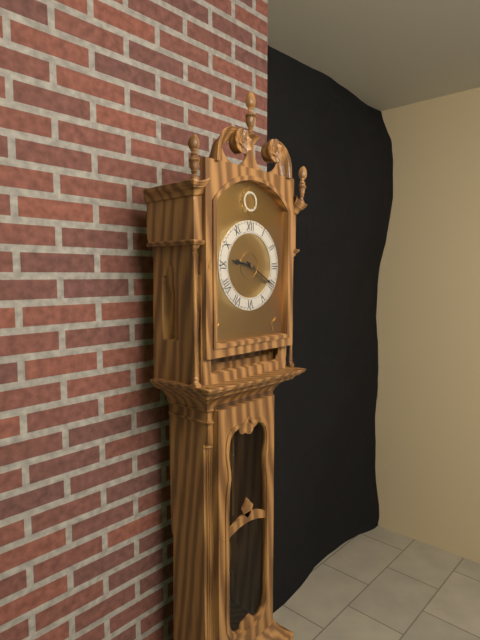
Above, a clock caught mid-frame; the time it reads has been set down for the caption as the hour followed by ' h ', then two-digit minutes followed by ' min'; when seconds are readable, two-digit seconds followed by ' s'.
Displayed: 9 h 20 min
